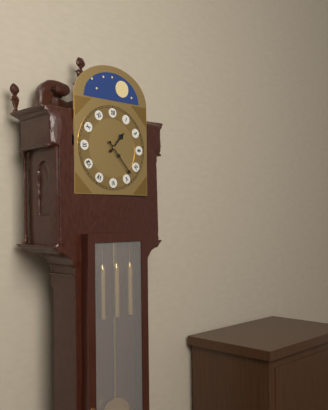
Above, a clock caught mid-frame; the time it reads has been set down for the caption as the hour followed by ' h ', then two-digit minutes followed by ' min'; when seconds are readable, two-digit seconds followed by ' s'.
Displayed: 1 h 23 min
